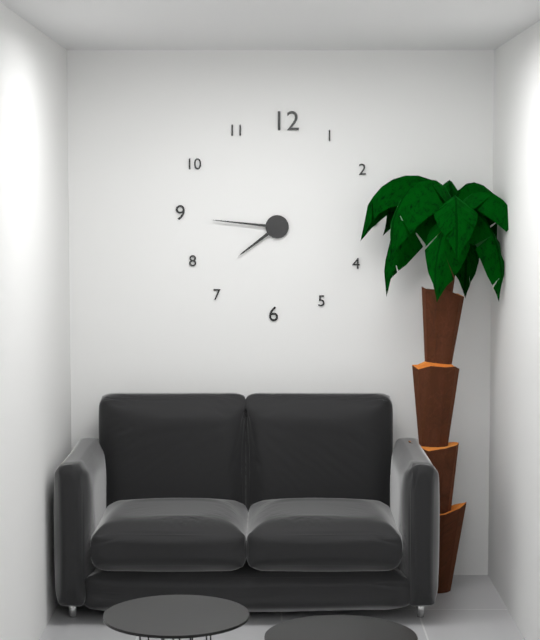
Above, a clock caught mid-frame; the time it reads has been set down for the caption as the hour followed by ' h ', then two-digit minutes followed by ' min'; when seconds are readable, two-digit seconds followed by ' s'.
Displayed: 7 h 46 min
